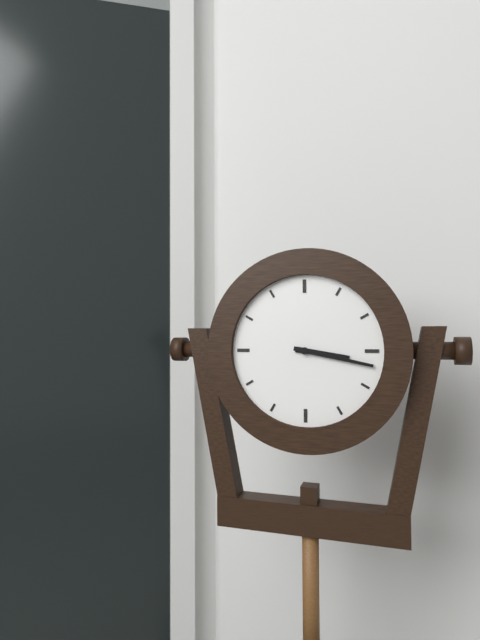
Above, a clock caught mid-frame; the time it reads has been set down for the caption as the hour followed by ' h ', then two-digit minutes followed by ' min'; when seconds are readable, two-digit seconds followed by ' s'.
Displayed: 3 h 17 min
